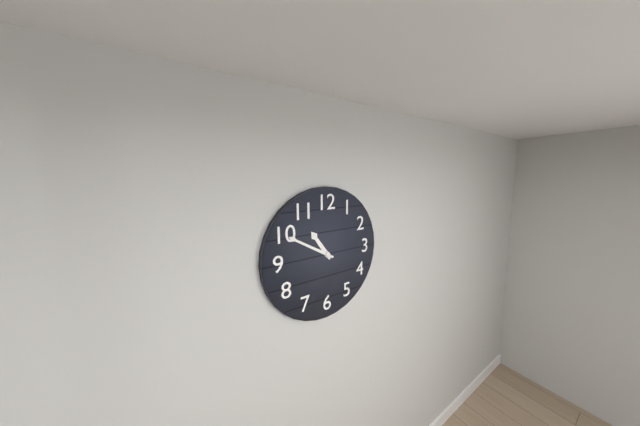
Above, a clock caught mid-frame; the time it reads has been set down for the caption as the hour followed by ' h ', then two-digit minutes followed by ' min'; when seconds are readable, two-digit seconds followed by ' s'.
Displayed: 10 h 50 min
